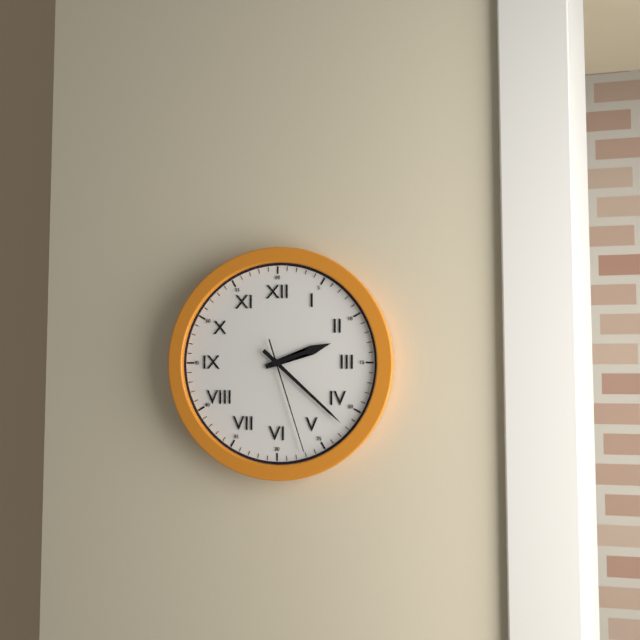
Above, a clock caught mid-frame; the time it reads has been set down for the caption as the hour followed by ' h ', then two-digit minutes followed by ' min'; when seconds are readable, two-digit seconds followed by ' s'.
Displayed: 2 h 22 min 27 s
